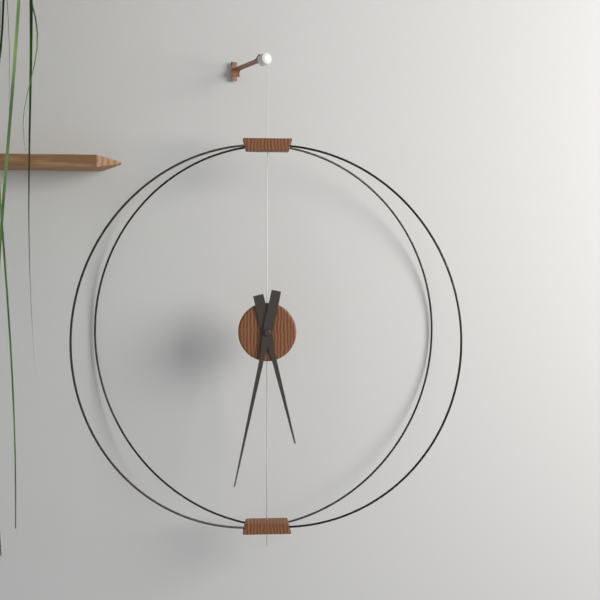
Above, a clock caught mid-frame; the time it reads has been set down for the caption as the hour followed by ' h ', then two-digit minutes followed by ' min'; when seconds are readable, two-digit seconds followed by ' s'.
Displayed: 5 h 32 min
